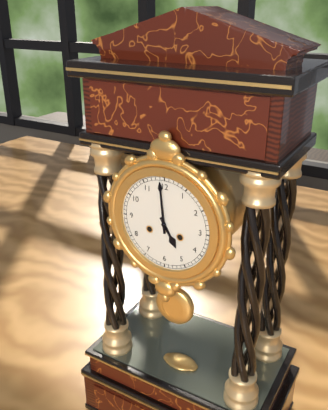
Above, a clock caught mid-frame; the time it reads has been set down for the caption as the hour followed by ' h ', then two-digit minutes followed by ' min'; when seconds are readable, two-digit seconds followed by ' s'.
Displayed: 4 h 59 min
